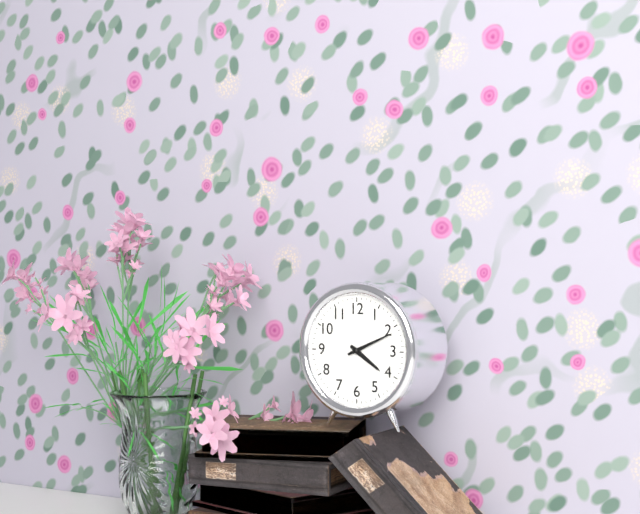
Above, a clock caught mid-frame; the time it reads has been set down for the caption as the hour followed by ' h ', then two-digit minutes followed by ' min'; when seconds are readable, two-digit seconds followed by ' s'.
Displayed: 4 h 11 min
